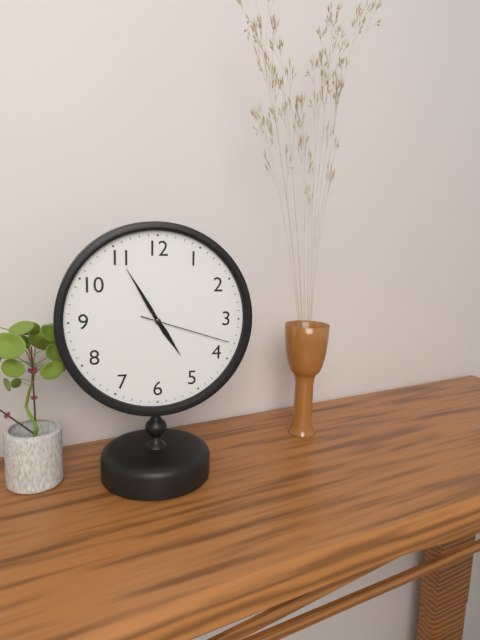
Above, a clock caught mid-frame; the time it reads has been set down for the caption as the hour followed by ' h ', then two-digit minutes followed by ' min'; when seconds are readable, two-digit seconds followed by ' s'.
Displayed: 4 h 55 min 18 s
